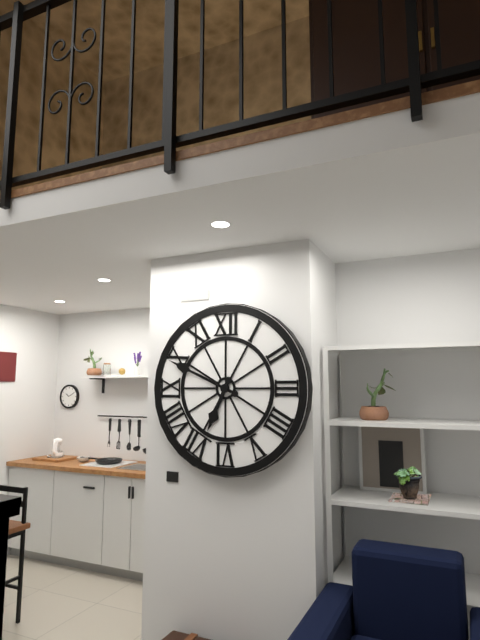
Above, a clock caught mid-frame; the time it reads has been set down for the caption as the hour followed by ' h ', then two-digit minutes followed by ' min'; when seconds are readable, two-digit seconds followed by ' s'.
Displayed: 6 h 49 min
